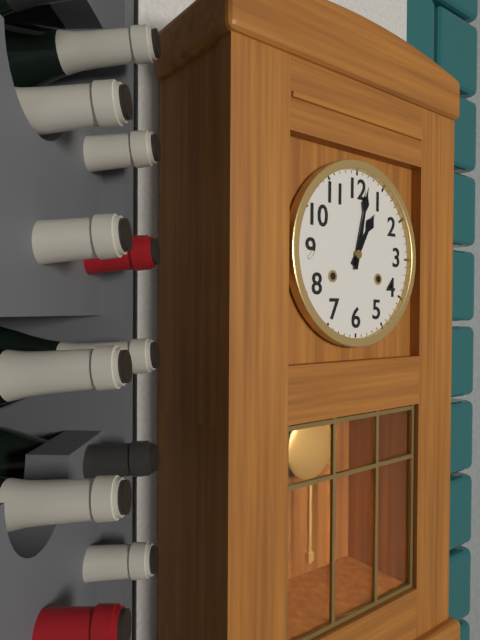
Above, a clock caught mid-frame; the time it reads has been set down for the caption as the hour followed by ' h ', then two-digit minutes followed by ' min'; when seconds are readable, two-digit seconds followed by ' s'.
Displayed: 1 h 02 min
